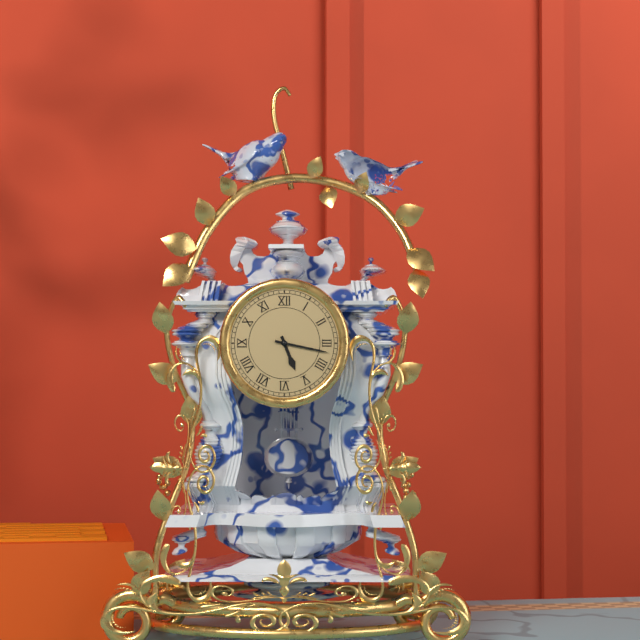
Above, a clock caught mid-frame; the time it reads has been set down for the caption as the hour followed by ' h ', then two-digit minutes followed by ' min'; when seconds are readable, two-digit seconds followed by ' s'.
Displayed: 5 h 17 min
